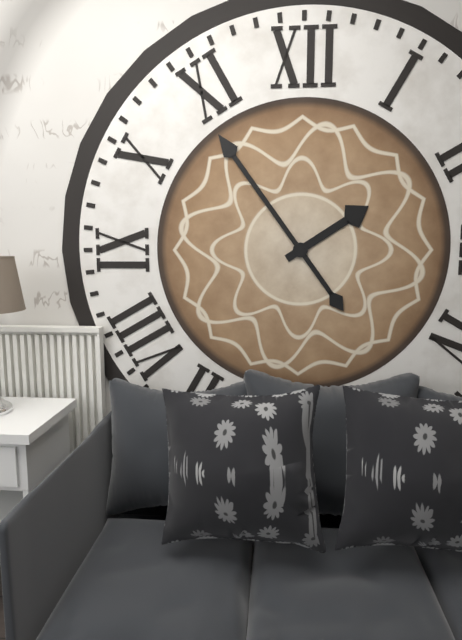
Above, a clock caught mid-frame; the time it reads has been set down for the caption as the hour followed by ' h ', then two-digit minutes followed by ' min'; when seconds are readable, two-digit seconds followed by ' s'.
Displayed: 1 h 54 min
